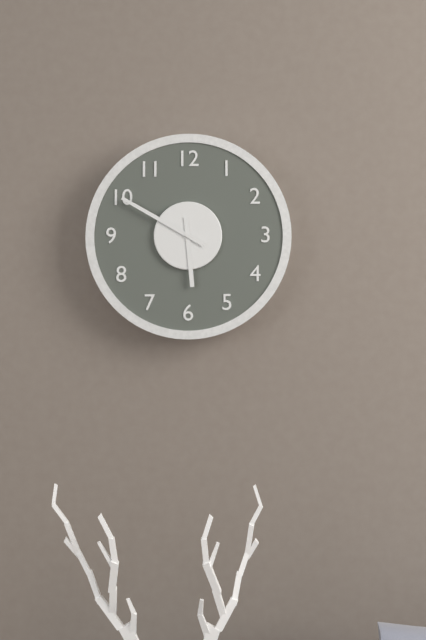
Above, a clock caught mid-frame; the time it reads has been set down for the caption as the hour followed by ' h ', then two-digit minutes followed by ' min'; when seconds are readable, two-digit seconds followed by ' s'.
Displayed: 5 h 50 min
